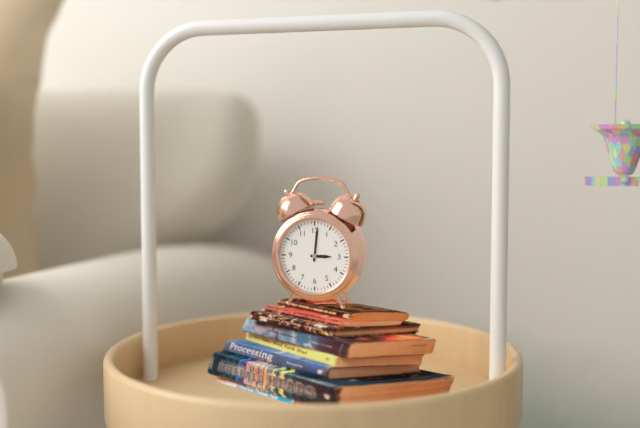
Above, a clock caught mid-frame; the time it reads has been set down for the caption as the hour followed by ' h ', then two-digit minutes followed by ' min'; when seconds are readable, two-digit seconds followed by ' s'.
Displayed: 3 h 01 min
